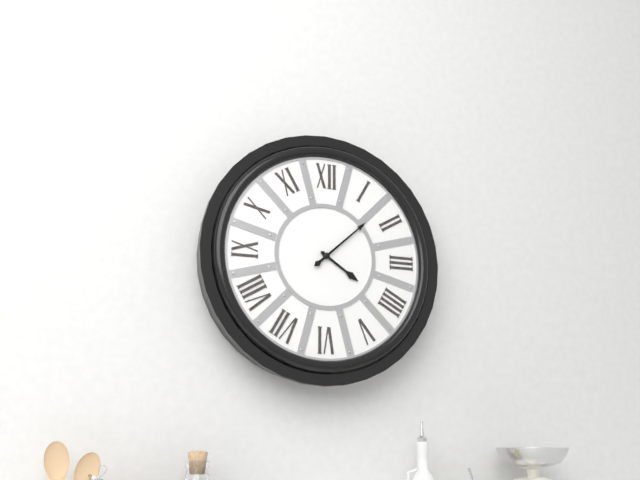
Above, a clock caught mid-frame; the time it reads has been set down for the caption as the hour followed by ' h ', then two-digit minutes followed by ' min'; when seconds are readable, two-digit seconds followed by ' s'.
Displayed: 4 h 08 min
